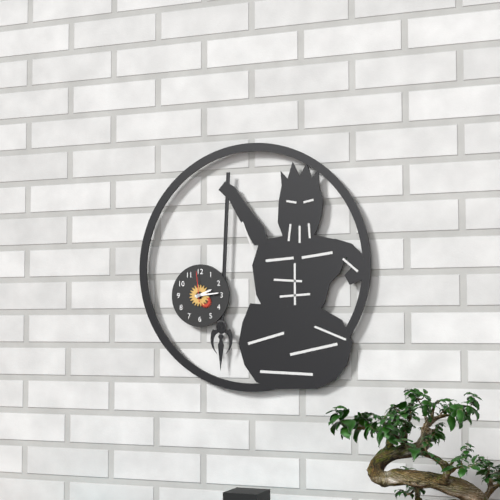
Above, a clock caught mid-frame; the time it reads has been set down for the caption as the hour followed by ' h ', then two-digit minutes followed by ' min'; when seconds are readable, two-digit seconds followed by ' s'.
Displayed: 2 h 14 min
